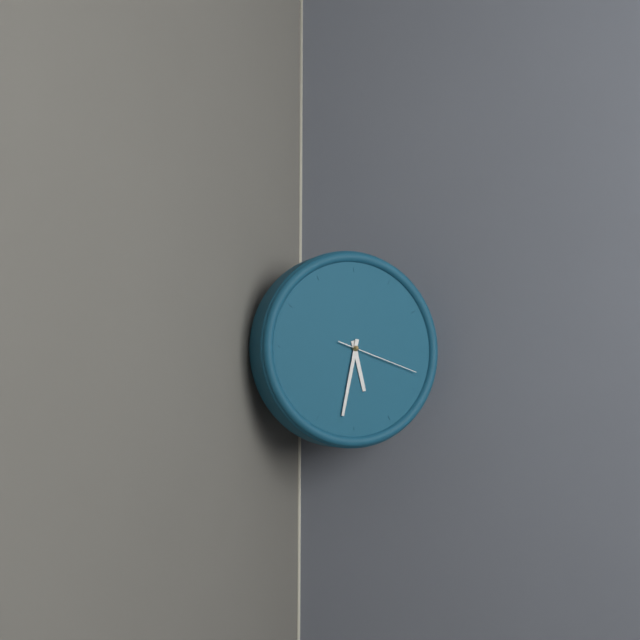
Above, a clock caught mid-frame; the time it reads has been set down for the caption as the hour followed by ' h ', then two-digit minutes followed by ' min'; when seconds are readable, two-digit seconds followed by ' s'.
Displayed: 5 h 32 min 18 s
